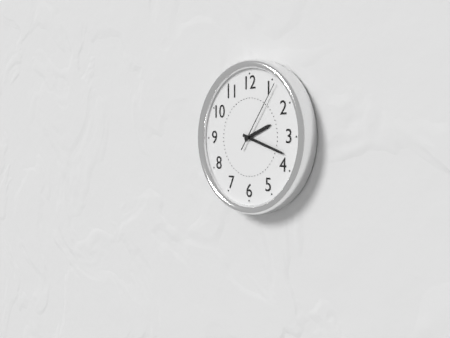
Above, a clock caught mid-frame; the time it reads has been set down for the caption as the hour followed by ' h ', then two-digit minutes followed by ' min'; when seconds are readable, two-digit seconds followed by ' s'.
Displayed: 2 h 18 min 06 s
